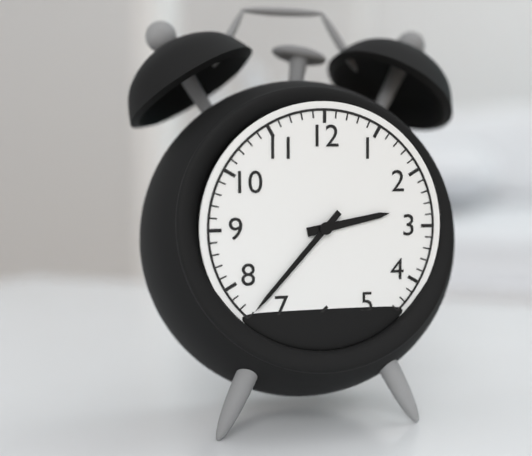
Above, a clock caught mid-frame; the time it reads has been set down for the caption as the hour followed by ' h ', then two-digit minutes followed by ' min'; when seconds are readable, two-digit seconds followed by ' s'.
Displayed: 2 h 37 min
